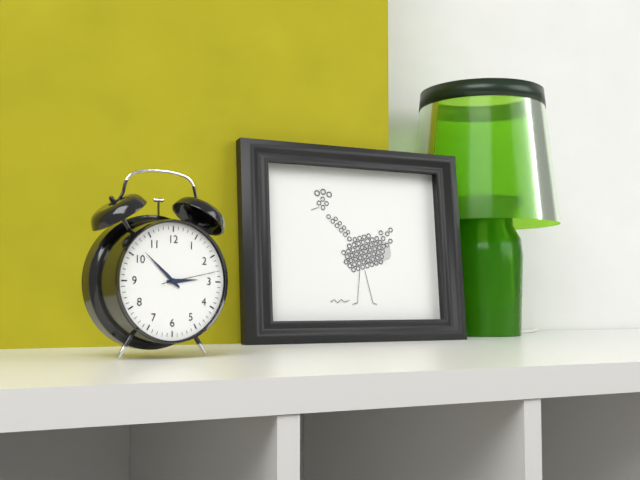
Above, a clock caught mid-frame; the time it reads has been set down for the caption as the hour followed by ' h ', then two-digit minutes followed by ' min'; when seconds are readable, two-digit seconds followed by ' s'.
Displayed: 2 h 52 min 13 s
